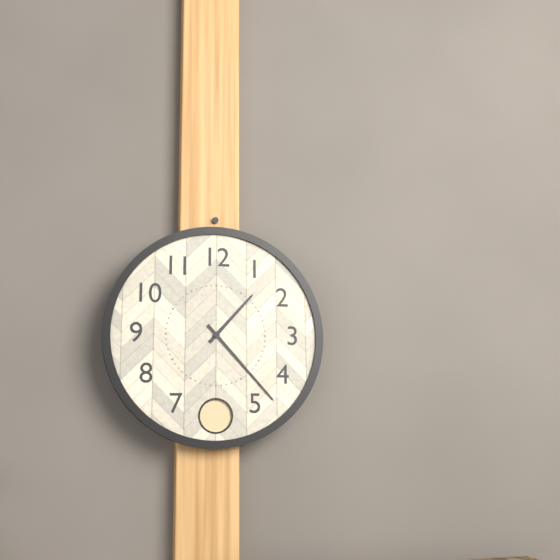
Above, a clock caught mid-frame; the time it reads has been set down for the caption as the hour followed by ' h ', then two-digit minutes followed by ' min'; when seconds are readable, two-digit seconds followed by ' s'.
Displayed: 1 h 23 min
